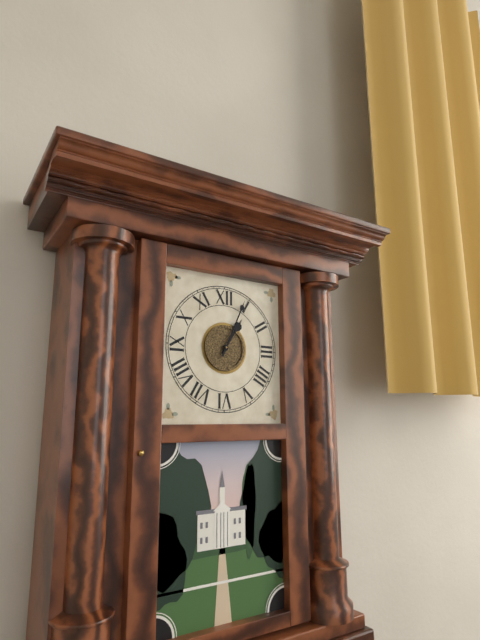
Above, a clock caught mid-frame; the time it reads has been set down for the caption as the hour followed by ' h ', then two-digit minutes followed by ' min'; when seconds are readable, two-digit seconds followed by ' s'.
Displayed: 1 h 04 min
